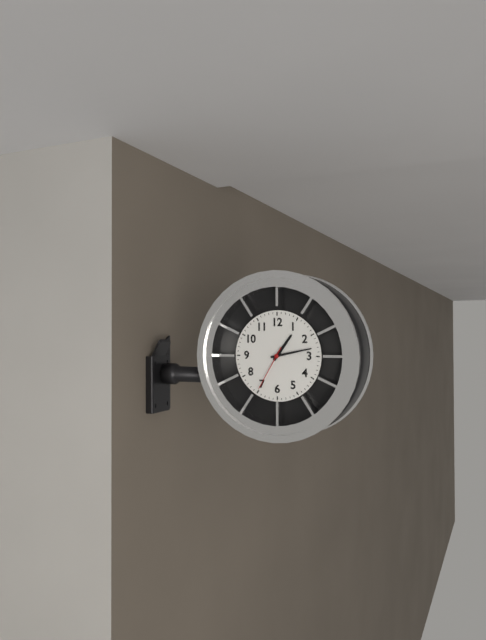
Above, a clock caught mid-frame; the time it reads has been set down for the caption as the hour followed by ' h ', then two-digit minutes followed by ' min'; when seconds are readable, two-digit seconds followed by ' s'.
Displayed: 1 h 13 min 35 s
